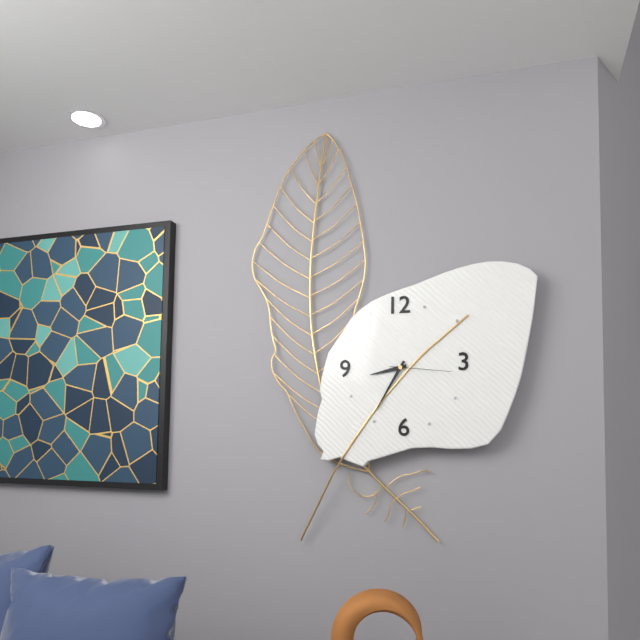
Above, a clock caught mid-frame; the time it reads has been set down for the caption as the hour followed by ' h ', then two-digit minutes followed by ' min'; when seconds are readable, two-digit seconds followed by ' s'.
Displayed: 8 h 35 min 16 s
